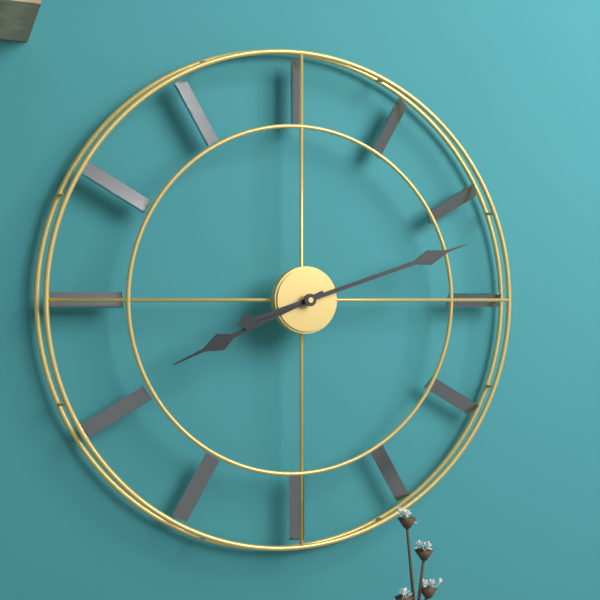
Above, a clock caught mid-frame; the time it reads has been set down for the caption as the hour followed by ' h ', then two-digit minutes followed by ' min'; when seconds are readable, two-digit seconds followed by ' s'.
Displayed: 8 h 12 min
